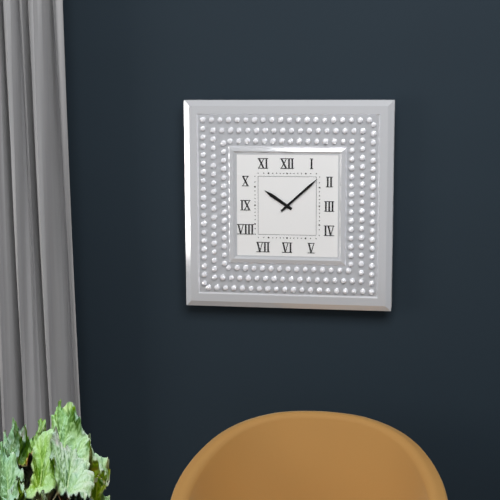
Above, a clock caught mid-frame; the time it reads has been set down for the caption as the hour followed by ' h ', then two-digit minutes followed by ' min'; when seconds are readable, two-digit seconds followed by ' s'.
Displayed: 10 h 08 min
